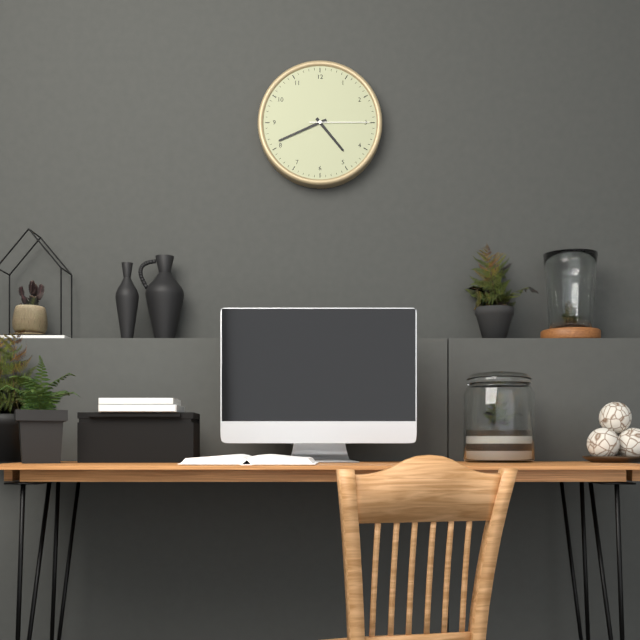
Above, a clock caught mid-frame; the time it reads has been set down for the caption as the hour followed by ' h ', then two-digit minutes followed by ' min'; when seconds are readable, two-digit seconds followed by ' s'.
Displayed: 4 h 41 min 15 s
